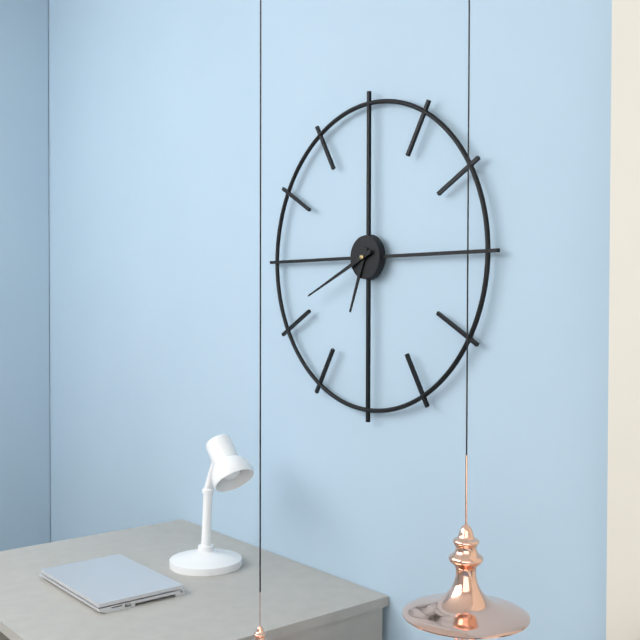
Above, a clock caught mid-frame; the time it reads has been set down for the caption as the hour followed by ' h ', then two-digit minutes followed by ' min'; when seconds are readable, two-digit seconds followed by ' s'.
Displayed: 6 h 41 min
